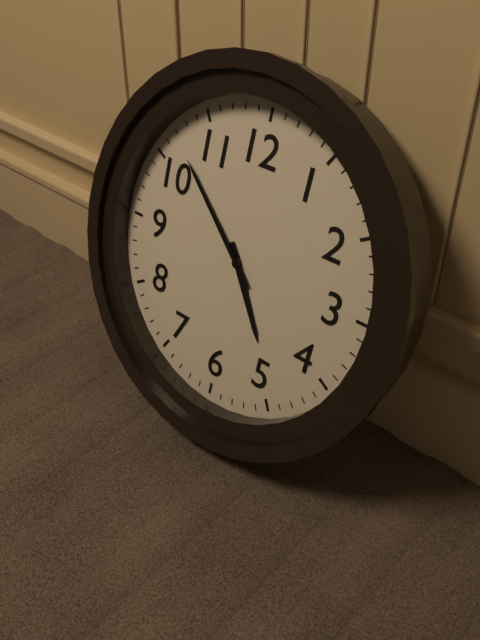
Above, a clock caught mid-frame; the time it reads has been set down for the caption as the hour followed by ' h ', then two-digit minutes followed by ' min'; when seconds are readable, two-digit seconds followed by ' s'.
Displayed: 4 h 52 min
